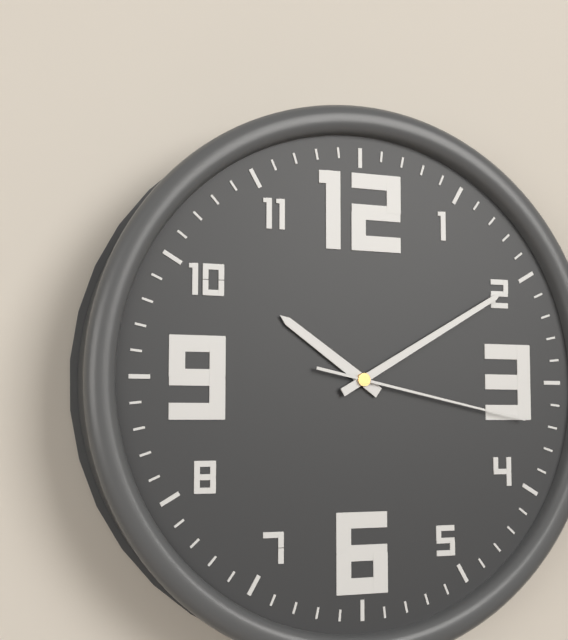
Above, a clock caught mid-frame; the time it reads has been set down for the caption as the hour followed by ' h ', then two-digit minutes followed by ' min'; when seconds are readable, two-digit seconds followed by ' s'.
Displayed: 10 h 10 min 17 s
